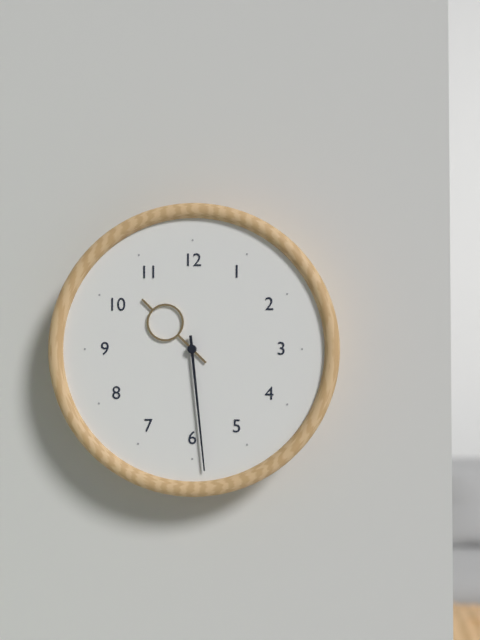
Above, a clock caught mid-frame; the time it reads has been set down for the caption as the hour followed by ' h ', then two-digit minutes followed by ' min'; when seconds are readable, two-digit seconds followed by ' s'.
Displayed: 10 h 29 min
